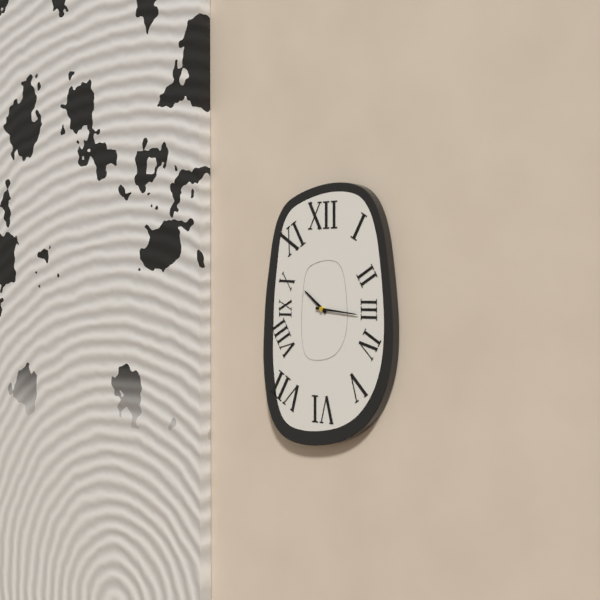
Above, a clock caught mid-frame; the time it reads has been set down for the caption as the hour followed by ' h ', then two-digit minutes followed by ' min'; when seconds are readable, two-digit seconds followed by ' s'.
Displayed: 10 h 16 min
